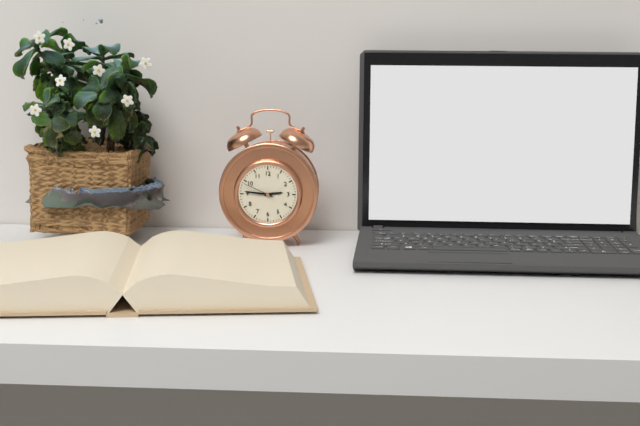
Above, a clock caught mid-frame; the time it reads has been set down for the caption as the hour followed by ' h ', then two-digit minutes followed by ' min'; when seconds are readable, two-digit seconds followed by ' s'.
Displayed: 2 h 46 min
